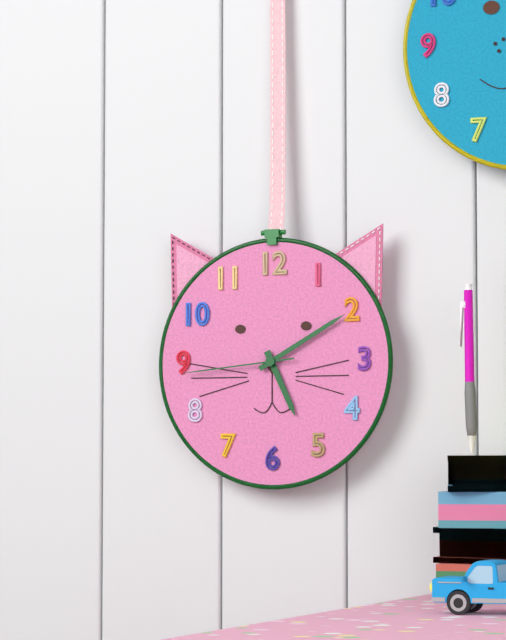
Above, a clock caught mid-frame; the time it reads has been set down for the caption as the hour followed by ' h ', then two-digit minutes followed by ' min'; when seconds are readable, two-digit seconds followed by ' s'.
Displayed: 5 h 10 min 44 s
